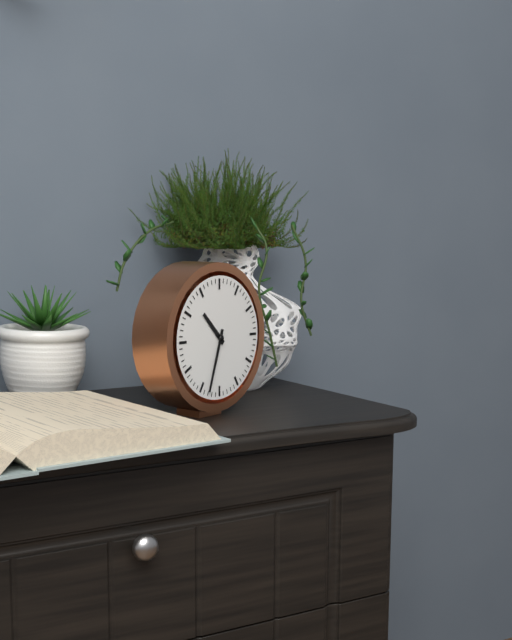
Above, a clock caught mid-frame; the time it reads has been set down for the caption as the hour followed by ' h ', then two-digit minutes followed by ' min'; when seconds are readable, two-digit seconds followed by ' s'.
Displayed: 10 h 33 min
